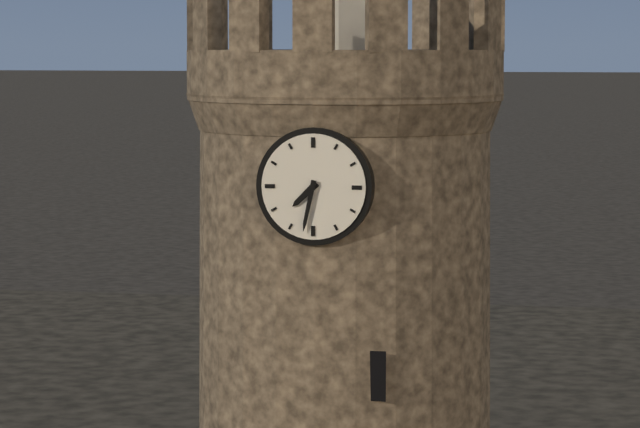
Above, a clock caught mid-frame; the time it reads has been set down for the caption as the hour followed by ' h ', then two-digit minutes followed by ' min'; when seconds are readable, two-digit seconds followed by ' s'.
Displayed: 7 h 32 min
